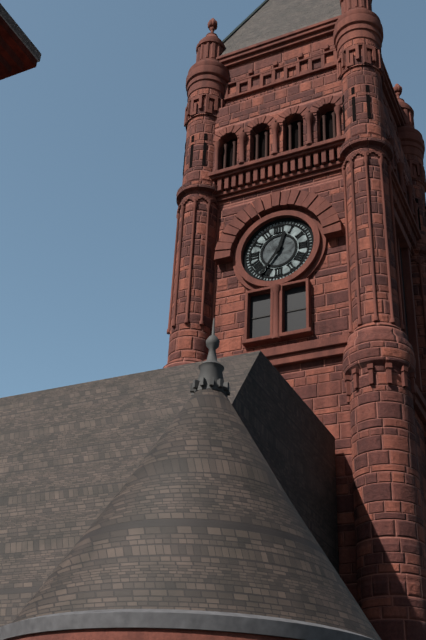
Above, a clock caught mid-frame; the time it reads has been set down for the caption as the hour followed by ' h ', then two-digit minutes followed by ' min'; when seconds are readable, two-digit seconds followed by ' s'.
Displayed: 12 h 36 min
